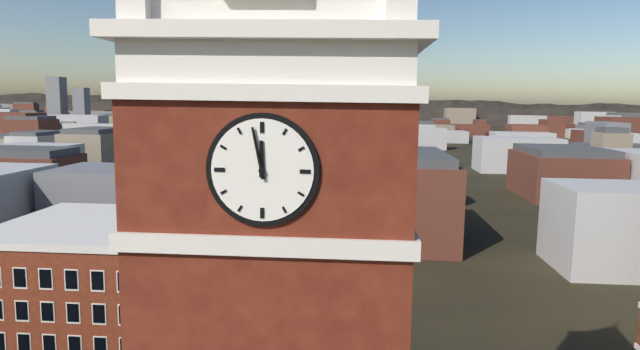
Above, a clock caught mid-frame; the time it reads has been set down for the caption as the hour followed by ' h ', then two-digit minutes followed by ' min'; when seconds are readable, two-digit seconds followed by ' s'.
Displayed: 11 h 58 min
